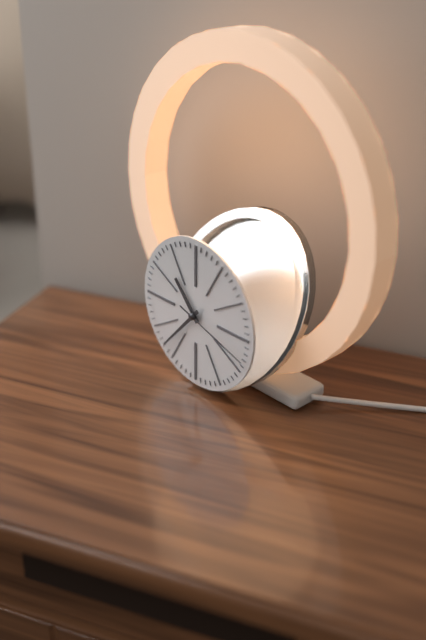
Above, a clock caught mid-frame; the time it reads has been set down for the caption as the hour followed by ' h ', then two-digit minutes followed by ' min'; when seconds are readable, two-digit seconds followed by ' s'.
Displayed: 10 h 37 min 18 s
